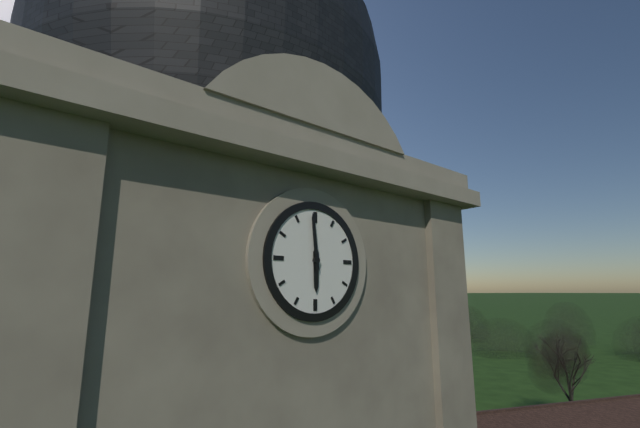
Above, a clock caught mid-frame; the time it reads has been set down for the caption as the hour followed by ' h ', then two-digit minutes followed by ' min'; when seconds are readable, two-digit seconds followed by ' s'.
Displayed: 5 h 59 min
